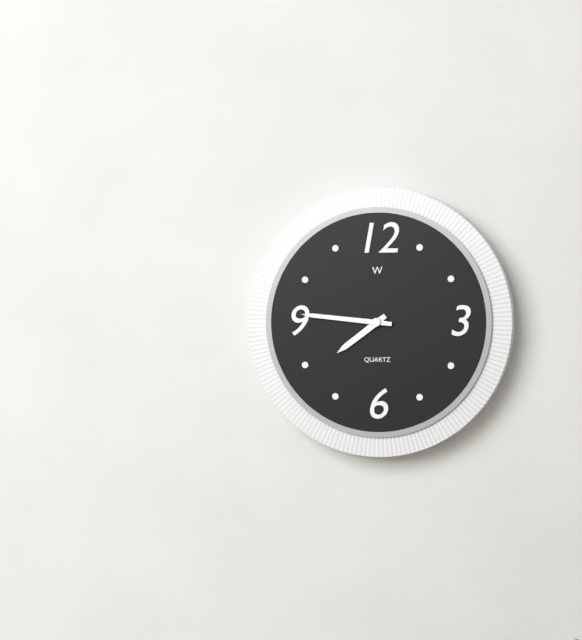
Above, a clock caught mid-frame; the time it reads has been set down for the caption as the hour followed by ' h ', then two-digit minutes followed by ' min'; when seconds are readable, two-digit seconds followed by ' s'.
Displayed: 7 h 46 min
